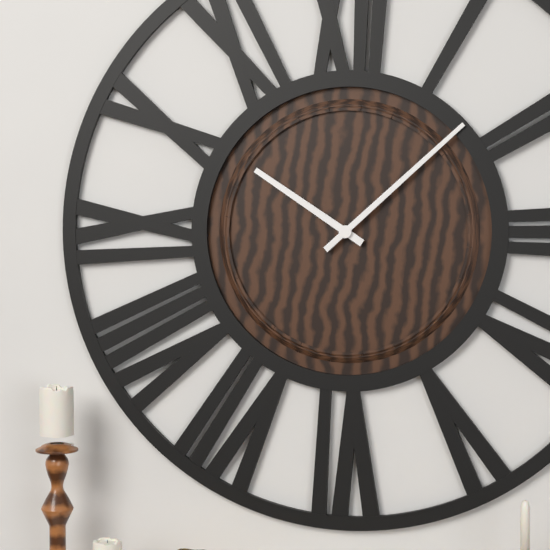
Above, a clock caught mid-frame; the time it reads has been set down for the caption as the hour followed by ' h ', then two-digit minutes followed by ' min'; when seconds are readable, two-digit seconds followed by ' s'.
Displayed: 10 h 08 min
